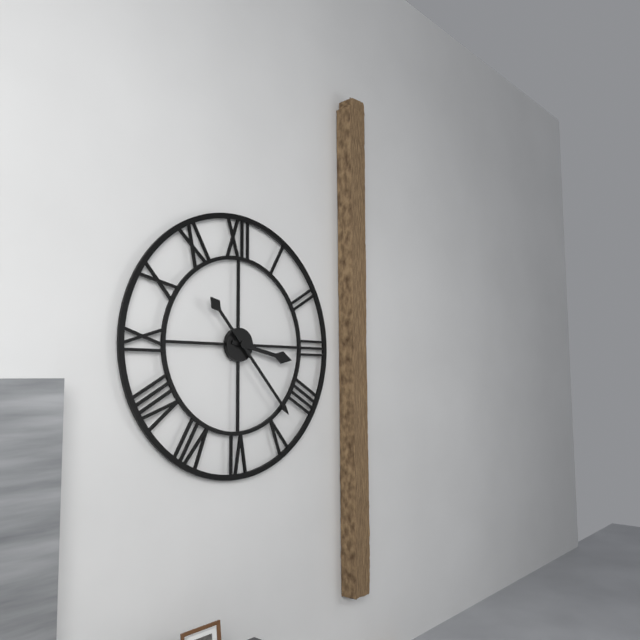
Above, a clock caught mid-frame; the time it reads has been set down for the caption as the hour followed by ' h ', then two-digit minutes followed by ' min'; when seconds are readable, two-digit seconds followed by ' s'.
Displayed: 3 h 23 min
